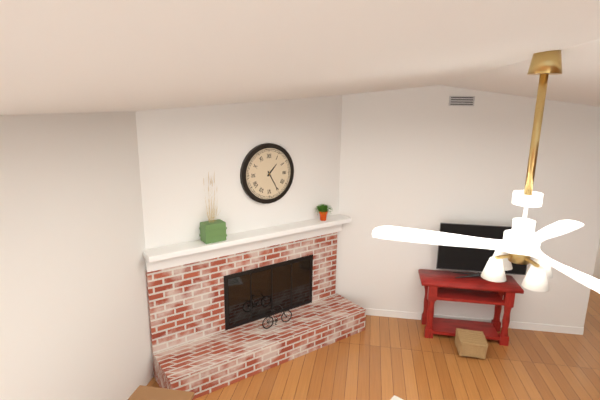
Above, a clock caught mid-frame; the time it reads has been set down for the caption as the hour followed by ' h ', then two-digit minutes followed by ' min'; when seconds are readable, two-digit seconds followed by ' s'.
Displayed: 1 h 25 min
